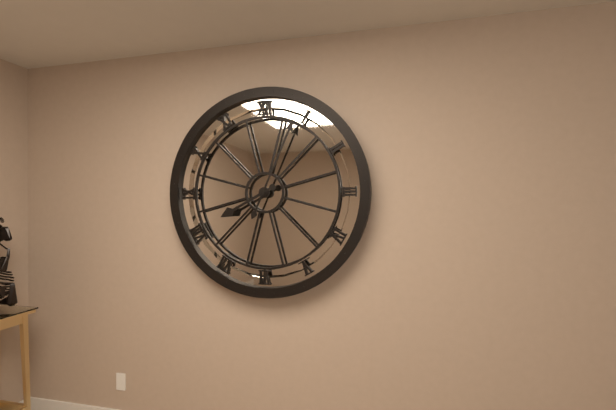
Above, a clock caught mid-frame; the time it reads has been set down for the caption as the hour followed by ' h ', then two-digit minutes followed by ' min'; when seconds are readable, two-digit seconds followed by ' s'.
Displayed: 8 h 04 min
